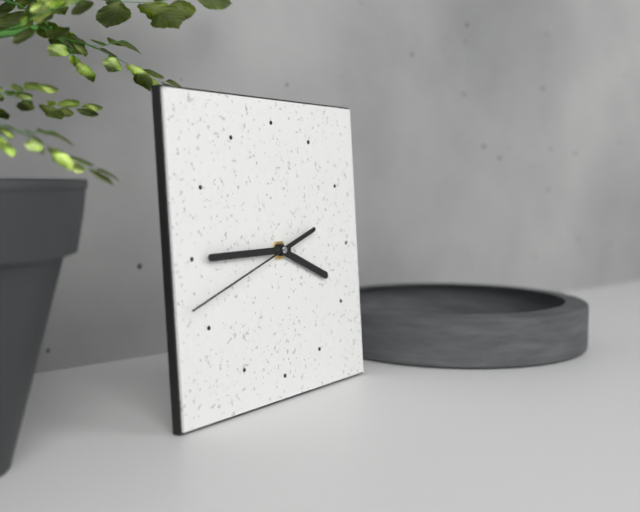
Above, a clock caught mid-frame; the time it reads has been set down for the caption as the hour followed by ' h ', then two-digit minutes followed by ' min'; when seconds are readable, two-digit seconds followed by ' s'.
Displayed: 3 h 45 min 42 s
